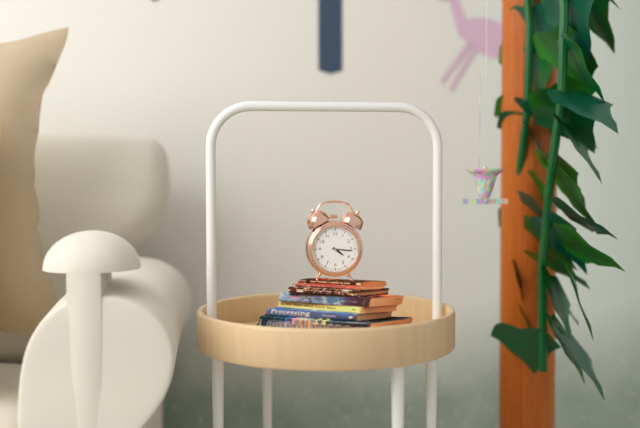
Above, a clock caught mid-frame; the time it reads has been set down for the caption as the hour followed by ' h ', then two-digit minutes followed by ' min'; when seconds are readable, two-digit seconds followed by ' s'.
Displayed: 4 h 16 min
